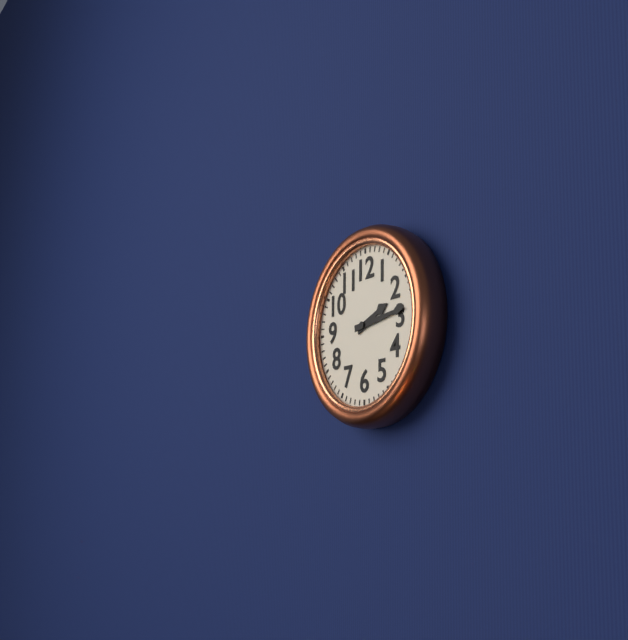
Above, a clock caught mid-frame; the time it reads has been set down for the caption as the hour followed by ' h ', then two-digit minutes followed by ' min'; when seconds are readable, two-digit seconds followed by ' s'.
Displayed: 2 h 14 min
